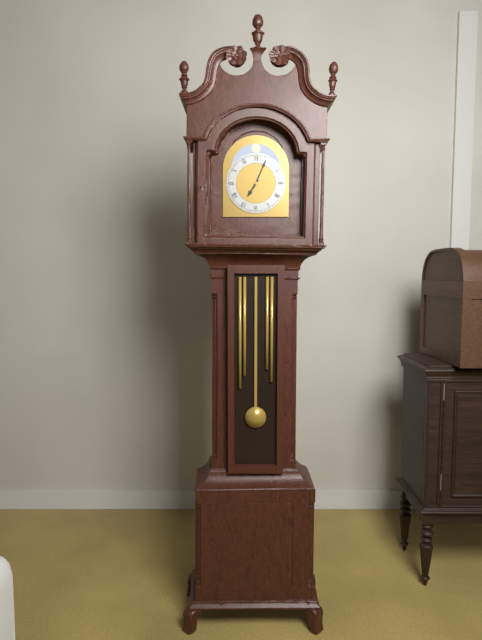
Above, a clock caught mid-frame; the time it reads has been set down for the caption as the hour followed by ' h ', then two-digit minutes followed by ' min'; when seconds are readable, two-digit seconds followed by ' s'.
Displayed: 7 h 04 min
